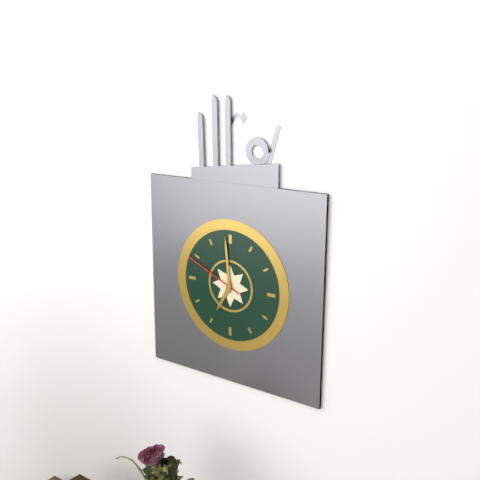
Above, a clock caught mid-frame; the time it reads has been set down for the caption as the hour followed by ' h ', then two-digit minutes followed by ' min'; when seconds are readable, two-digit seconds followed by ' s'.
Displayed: 6 h 59 min 49 s
